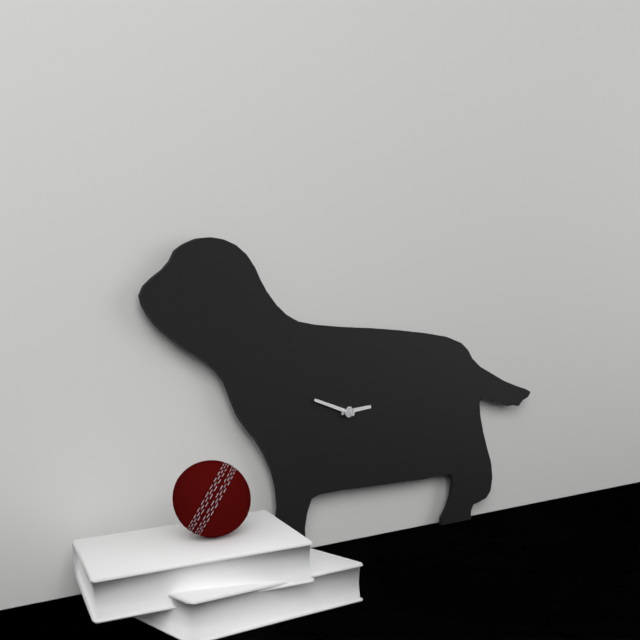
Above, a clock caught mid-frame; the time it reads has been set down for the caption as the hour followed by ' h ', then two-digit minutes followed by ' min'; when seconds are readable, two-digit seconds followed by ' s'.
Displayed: 2 h 48 min
